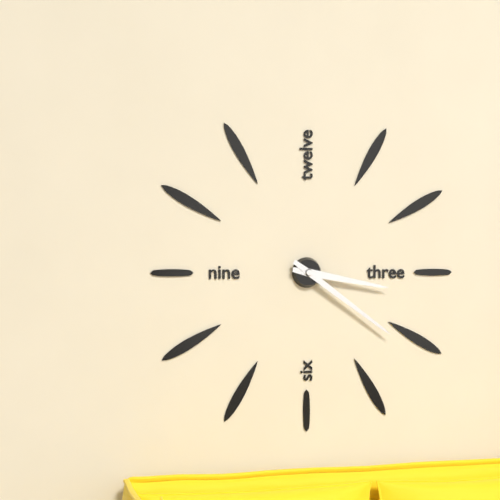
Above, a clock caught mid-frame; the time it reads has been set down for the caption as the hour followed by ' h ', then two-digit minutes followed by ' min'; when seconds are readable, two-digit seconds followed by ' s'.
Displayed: 3 h 21 min
